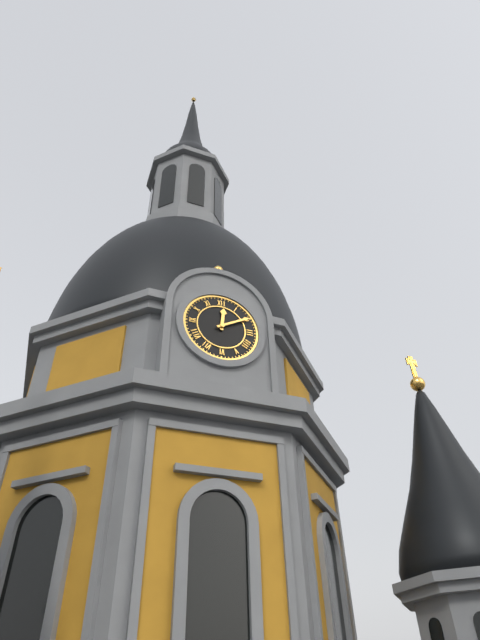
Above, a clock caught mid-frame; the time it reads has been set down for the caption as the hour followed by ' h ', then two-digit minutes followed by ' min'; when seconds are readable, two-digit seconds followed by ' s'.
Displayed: 12 h 10 min
